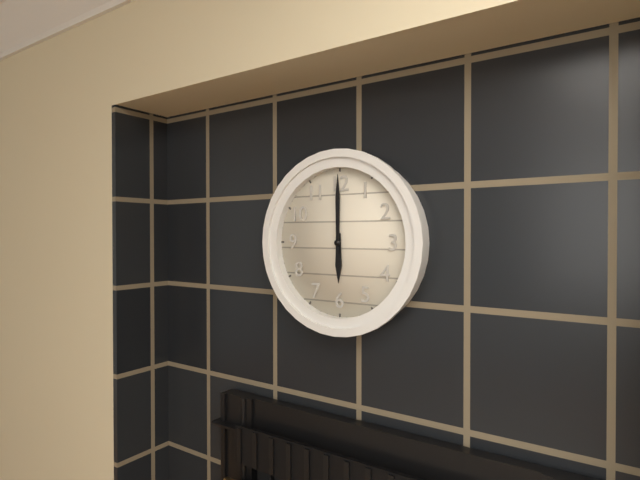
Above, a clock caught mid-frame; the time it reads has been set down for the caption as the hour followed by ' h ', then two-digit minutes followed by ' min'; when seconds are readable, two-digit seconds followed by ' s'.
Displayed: 6 h 00 min
